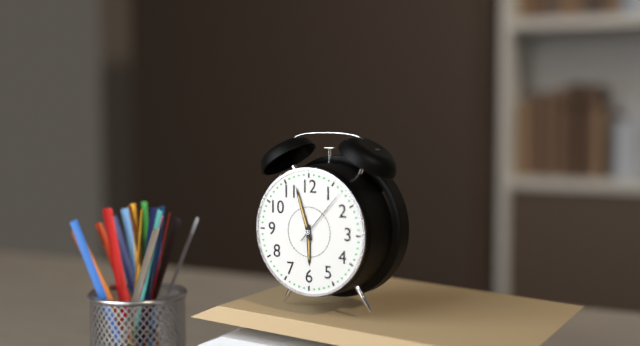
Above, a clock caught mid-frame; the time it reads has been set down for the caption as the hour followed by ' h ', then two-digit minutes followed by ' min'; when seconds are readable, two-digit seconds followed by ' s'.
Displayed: 5 h 57 min
